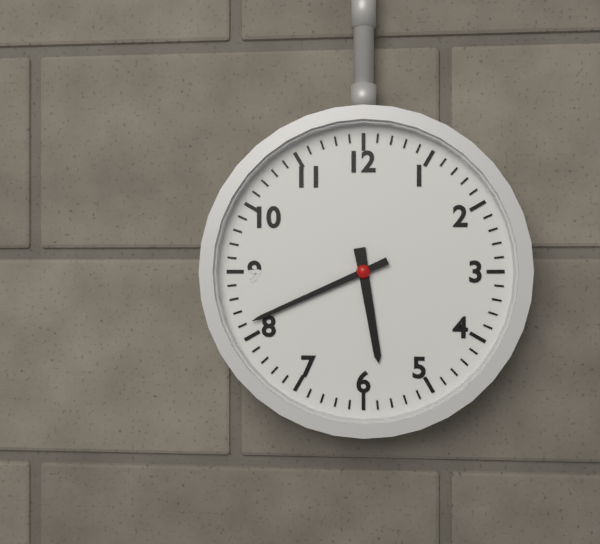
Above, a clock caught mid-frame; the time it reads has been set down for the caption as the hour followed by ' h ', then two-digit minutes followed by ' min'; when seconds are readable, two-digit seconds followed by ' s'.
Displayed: 5 h 41 min
